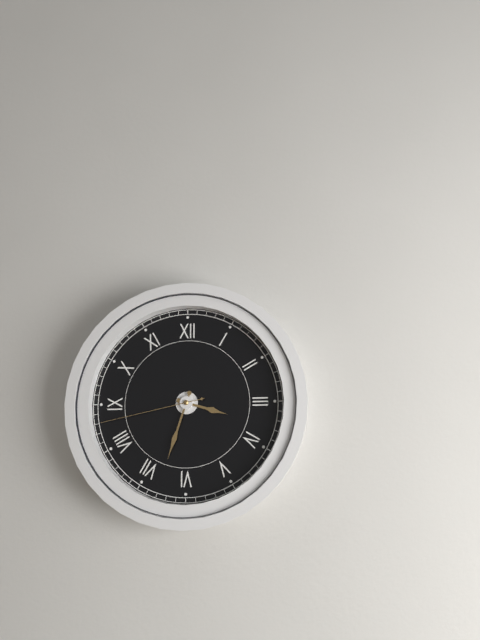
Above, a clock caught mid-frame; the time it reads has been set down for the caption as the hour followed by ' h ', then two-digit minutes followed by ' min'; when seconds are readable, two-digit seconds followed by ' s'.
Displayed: 3 h 33 min 43 s
